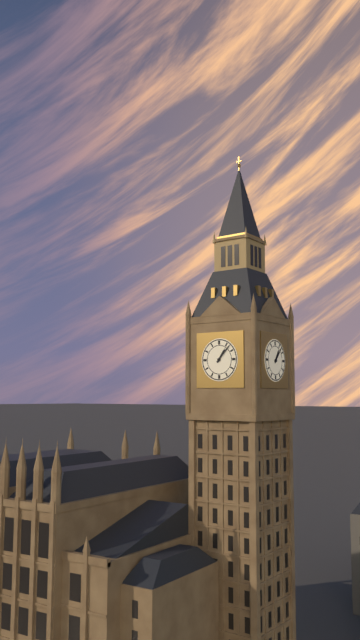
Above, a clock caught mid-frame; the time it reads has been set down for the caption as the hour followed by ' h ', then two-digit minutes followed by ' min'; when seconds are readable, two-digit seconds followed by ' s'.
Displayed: 1 h 07 min
